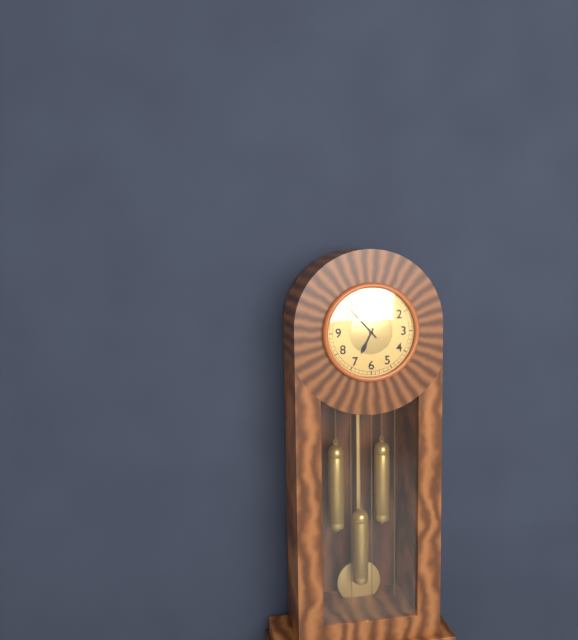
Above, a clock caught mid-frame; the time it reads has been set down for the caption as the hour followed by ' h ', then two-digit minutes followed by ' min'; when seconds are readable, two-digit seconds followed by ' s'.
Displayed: 6 h 53 min
